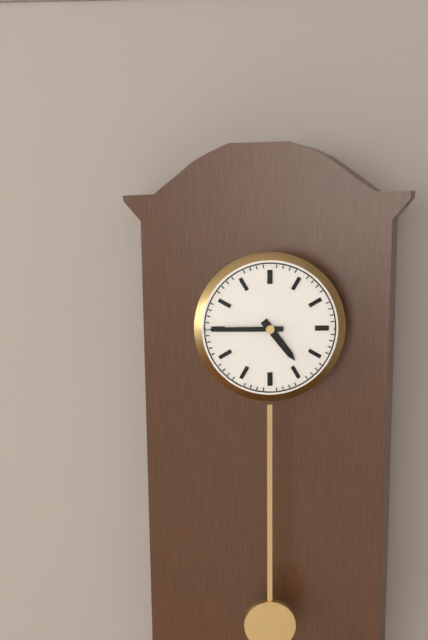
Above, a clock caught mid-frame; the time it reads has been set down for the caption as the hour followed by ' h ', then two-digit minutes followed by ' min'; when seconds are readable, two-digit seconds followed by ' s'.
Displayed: 4 h 45 min
